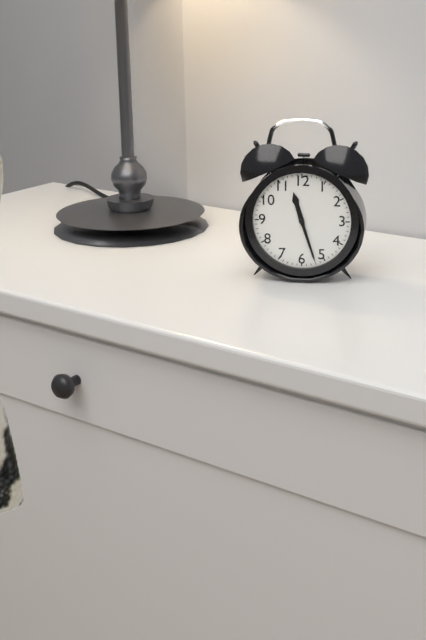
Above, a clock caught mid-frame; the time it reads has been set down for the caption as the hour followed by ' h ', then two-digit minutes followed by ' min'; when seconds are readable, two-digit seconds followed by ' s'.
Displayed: 11 h 27 min
